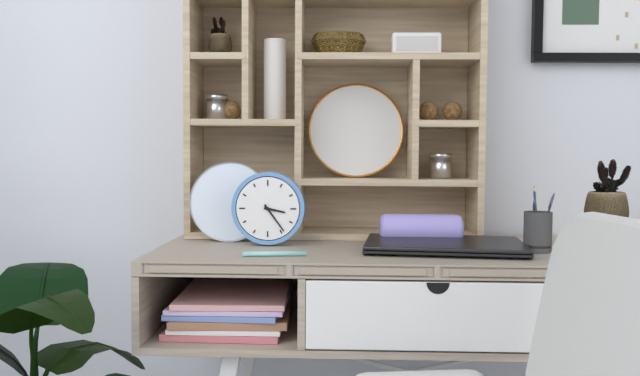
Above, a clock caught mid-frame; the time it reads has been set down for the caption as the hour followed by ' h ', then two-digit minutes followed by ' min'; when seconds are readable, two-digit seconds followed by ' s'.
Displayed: 3 h 24 min
